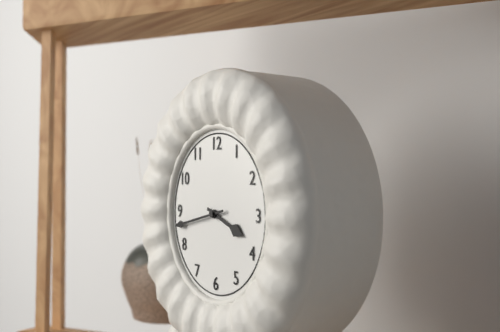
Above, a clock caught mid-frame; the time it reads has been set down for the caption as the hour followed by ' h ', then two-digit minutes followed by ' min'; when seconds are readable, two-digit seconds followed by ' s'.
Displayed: 3 h 43 min
